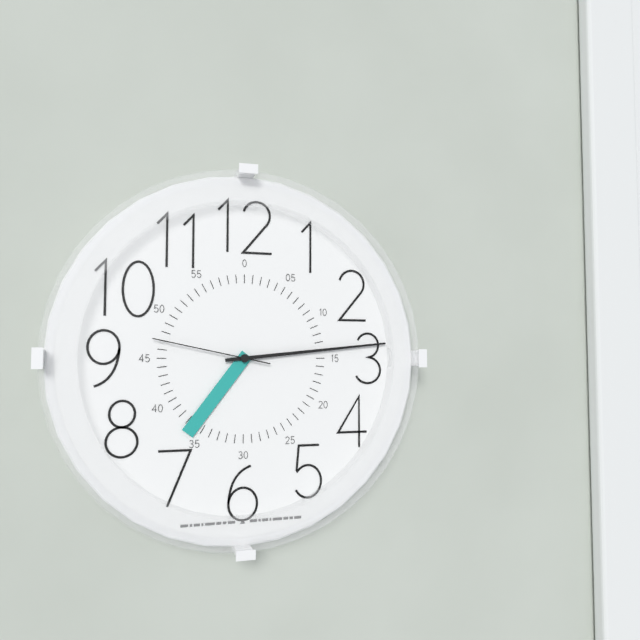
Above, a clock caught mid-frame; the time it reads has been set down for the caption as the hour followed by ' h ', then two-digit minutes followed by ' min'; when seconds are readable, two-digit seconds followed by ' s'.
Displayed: 7 h 14 min 47 s
